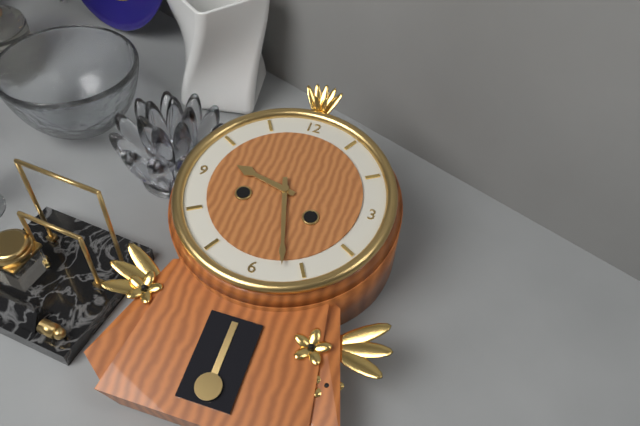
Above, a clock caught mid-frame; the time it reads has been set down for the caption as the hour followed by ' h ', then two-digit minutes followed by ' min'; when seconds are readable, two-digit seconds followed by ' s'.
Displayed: 9 h 27 min
